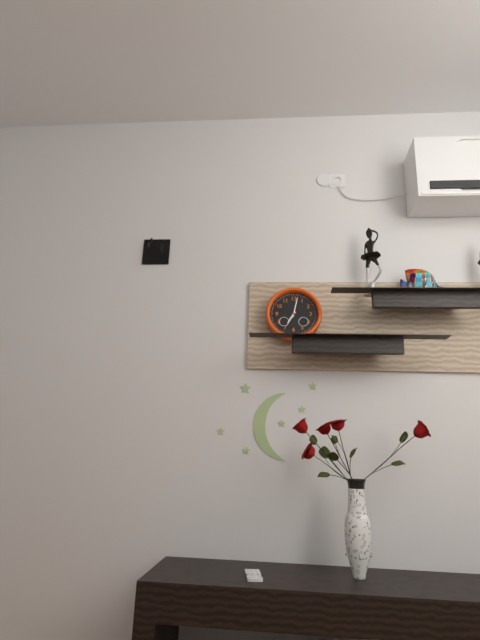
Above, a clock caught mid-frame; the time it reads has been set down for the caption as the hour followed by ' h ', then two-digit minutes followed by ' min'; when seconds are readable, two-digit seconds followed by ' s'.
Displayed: 7 h 02 min
